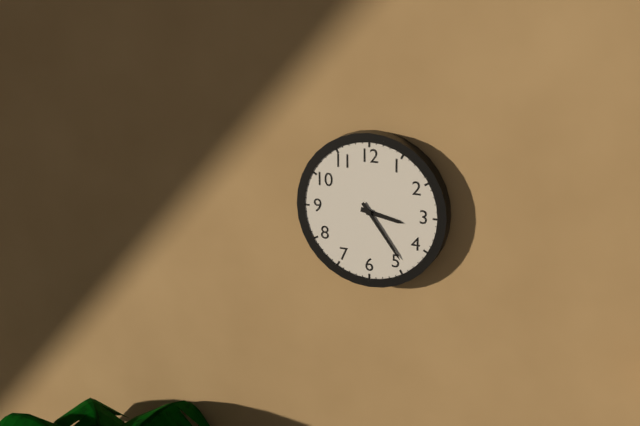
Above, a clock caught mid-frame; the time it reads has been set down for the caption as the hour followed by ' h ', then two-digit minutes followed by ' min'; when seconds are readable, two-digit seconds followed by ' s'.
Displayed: 3 h 24 min
